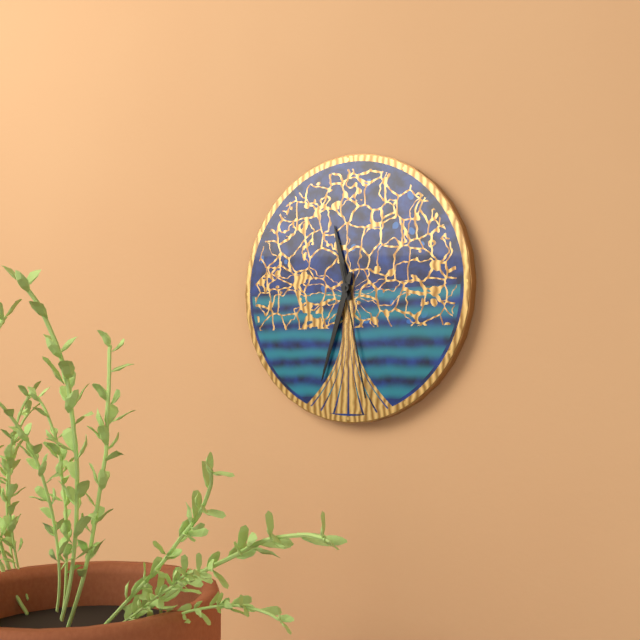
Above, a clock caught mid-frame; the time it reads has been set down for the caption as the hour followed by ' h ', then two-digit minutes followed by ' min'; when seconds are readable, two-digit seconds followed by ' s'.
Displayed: 11 h 33 min 28 s
